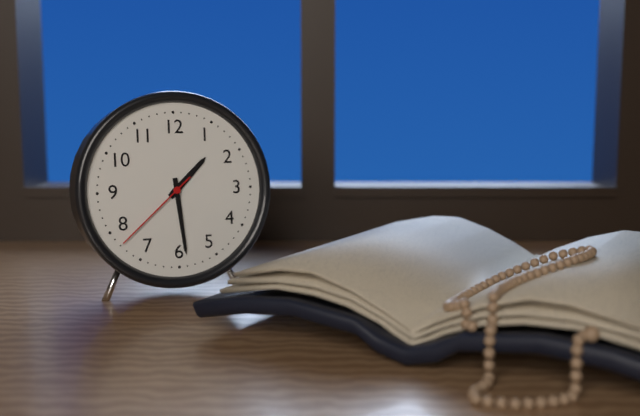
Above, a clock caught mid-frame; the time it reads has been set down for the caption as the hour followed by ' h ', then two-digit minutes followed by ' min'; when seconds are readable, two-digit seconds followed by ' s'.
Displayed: 1 h 29 min 38 s
